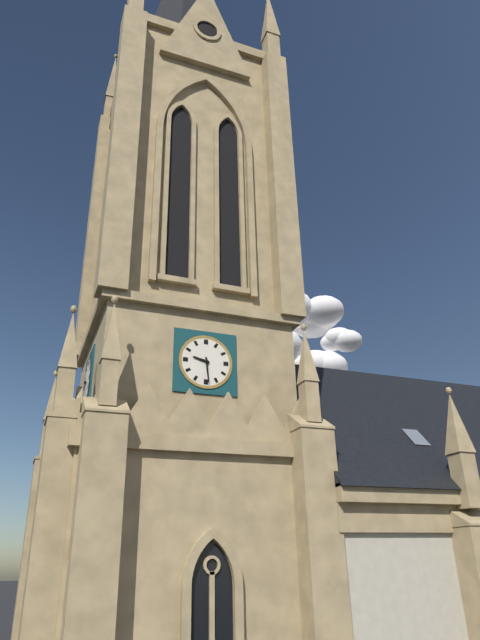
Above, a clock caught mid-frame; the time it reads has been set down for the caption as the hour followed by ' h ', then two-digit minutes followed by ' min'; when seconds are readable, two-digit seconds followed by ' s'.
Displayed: 9 h 29 min
